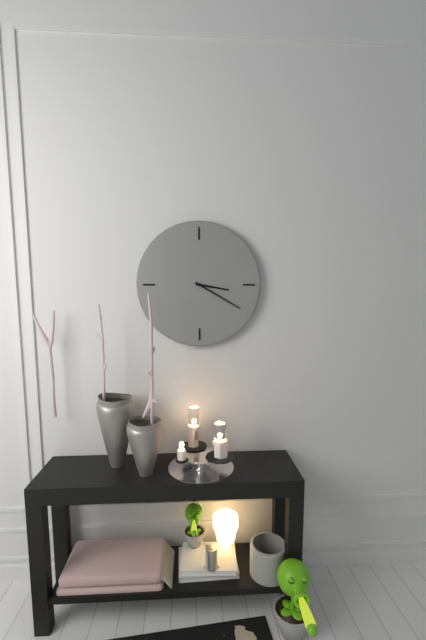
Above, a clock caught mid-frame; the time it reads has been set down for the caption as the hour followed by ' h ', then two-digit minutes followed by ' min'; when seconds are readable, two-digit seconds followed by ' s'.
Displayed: 3 h 20 min
